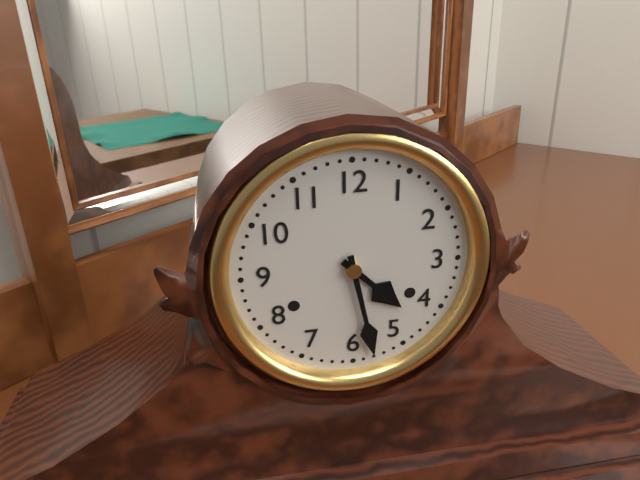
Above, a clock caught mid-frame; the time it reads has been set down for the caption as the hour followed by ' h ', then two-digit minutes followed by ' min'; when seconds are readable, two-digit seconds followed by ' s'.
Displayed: 4 h 28 min
